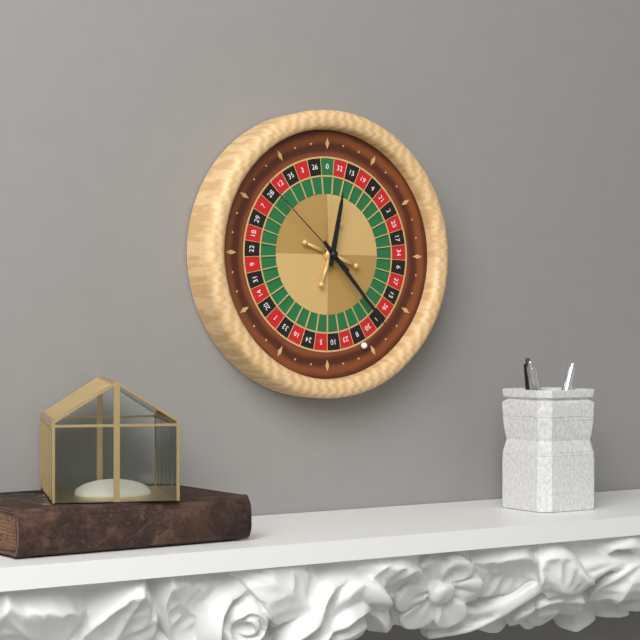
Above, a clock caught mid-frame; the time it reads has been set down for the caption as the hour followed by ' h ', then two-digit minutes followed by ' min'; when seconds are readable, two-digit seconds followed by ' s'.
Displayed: 12 h 23 min 52 s
